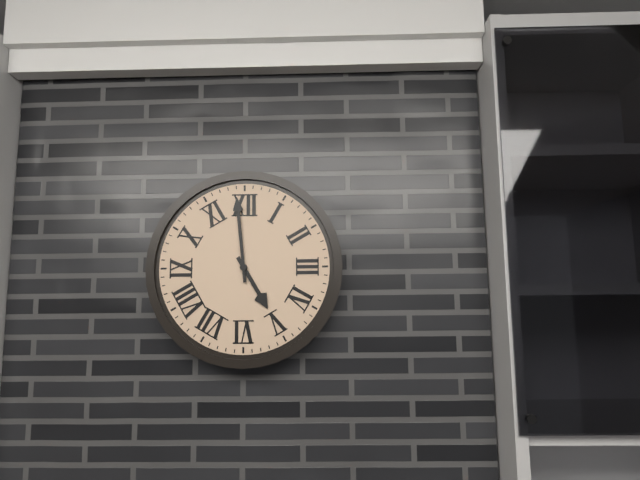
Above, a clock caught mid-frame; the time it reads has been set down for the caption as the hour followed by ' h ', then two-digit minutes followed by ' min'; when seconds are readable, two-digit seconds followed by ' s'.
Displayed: 4 h 59 min
